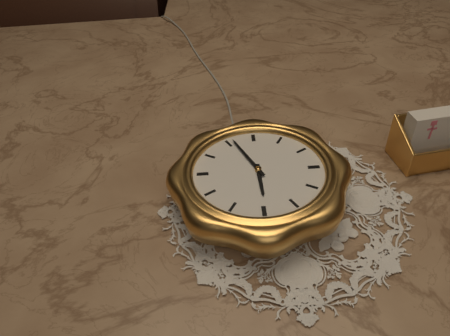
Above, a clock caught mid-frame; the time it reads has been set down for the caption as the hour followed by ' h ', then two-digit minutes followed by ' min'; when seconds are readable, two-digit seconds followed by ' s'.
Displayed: 5 h 56 min
